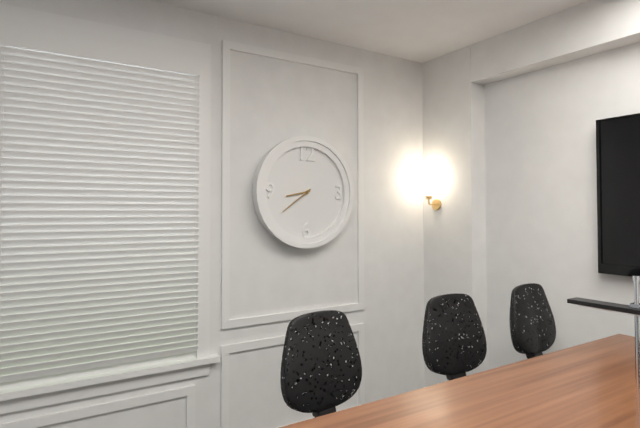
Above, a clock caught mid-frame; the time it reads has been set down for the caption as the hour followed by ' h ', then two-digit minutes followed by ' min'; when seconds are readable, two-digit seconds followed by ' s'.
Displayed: 8 h 39 min
